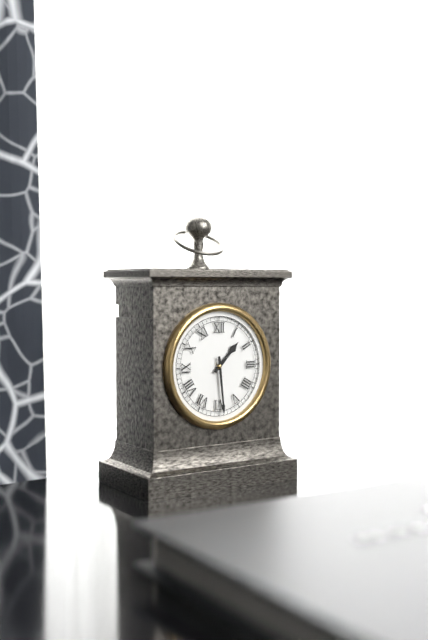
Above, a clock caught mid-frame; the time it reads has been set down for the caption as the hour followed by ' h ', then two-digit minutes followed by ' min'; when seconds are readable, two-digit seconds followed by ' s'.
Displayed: 1 h 29 min
